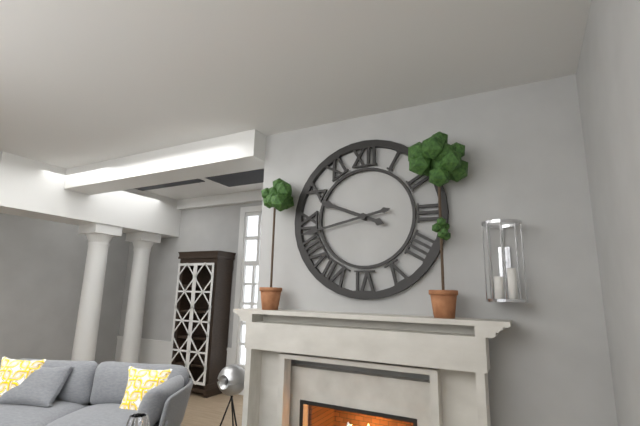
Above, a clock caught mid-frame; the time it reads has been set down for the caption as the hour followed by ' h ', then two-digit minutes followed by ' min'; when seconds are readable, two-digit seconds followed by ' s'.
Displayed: 9 h 43 min
